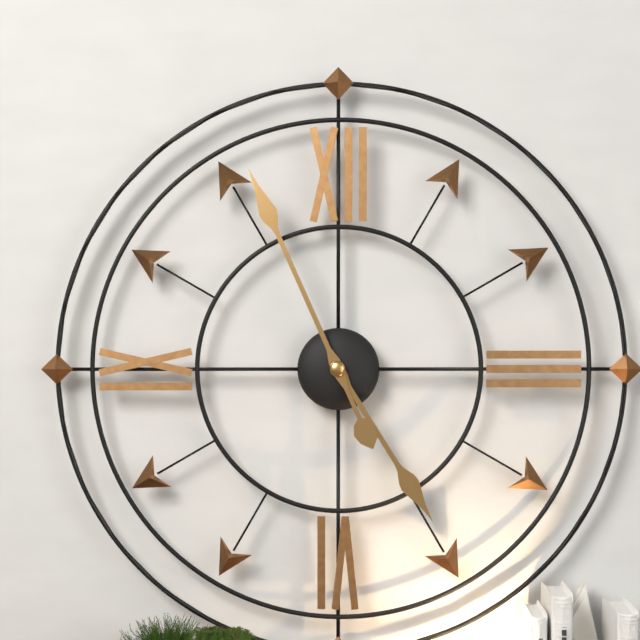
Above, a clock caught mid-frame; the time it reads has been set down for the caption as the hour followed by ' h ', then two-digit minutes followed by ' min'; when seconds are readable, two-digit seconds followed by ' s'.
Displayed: 4 h 56 min
